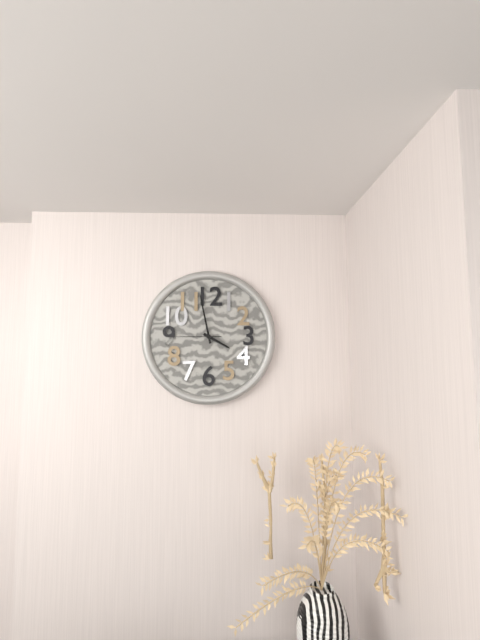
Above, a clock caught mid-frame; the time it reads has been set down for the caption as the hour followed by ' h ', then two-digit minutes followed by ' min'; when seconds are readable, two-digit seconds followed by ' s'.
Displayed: 3 h 58 min
